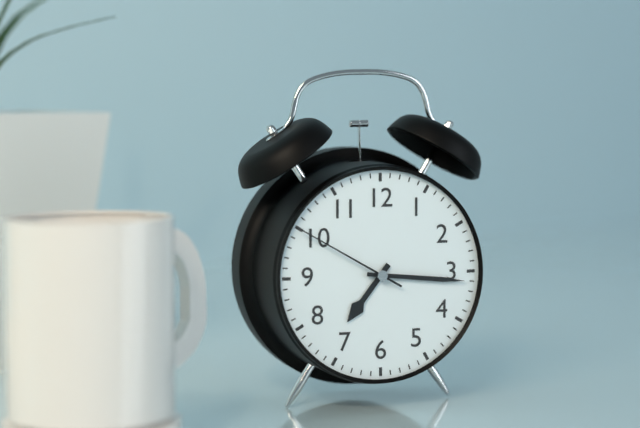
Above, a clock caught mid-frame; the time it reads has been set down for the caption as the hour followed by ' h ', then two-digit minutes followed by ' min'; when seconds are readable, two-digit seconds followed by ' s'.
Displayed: 7 h 16 min 50 s
